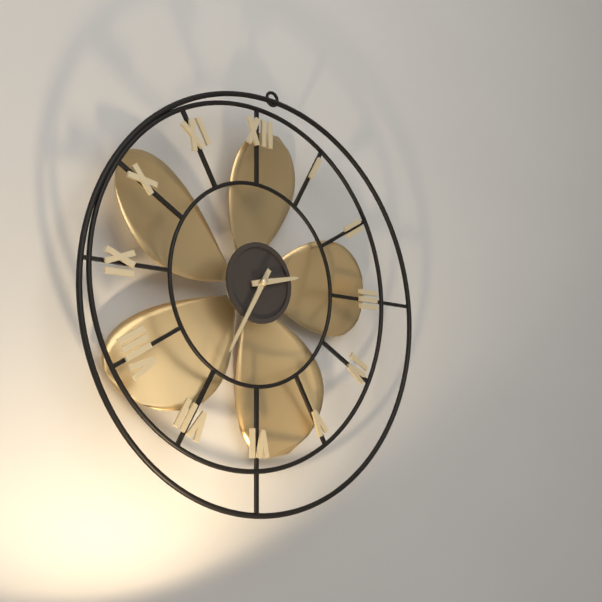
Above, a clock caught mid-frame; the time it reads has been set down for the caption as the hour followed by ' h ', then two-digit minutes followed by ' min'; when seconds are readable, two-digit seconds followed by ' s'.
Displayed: 2 h 35 min
